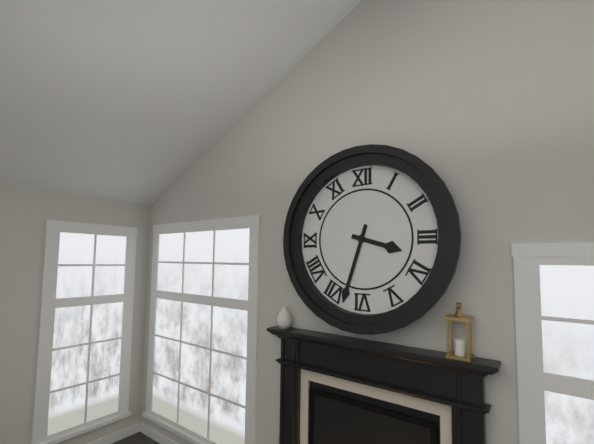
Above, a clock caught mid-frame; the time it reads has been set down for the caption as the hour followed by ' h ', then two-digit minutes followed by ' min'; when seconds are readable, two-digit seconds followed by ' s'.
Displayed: 3 h 33 min
